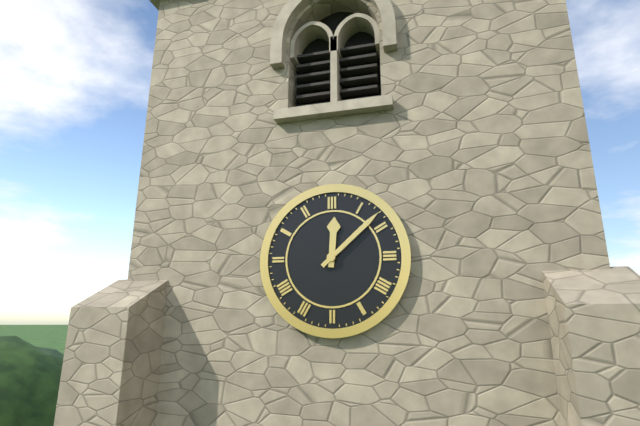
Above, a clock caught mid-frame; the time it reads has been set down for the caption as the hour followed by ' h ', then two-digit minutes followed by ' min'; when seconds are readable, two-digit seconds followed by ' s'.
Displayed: 12 h 08 min
